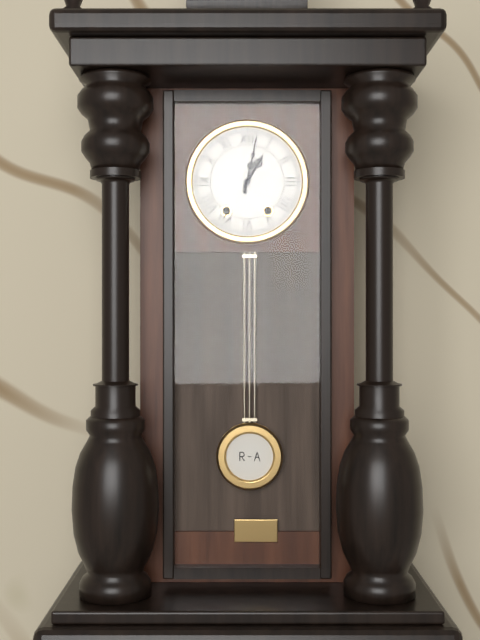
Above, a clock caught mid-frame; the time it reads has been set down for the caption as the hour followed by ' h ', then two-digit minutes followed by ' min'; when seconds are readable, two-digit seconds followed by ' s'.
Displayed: 1 h 02 min
